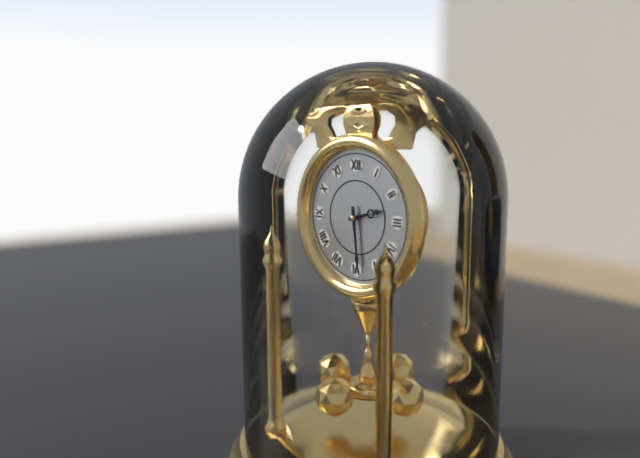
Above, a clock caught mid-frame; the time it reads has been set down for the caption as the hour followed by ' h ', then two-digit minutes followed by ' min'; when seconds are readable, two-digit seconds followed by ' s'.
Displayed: 2 h 29 min
